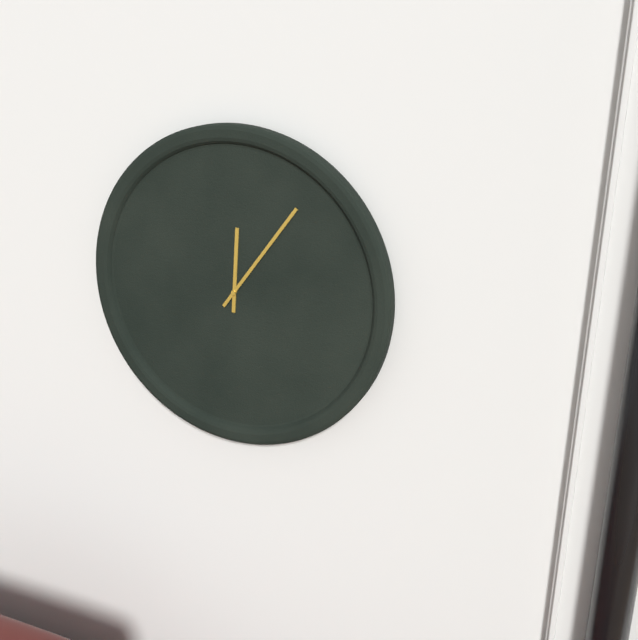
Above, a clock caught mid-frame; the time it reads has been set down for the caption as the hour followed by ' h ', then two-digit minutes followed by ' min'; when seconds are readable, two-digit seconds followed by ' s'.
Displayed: 12 h 06 min
